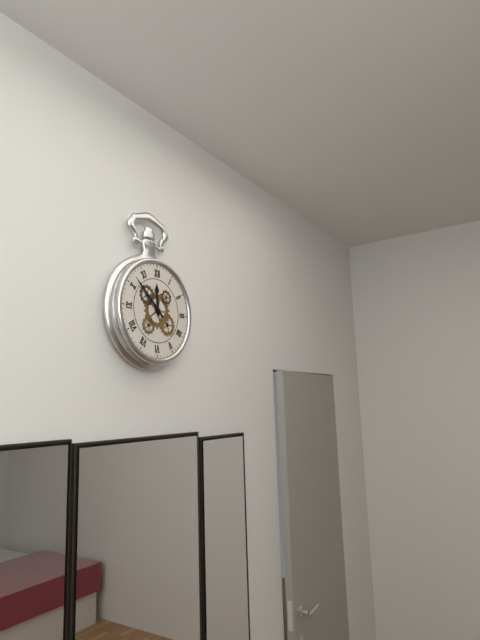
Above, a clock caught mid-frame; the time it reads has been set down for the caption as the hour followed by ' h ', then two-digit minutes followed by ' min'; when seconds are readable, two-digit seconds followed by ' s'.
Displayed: 11 h 52 min
